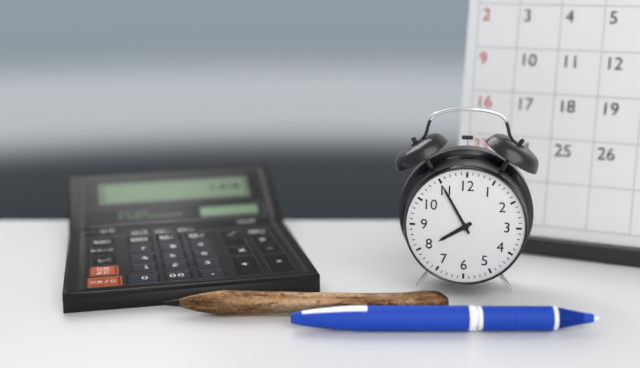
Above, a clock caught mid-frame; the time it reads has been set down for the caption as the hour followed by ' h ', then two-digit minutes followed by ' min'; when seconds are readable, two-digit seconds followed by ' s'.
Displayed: 7 h 55 min
